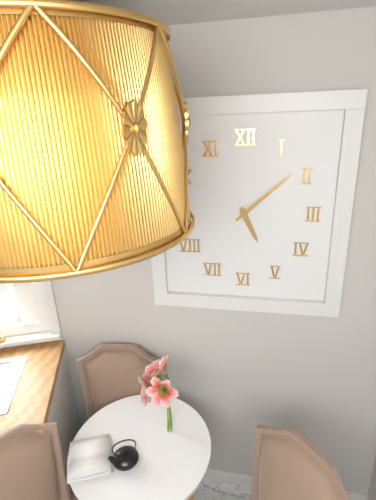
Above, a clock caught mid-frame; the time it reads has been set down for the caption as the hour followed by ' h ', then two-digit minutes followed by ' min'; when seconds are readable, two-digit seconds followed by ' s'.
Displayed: 5 h 08 min
